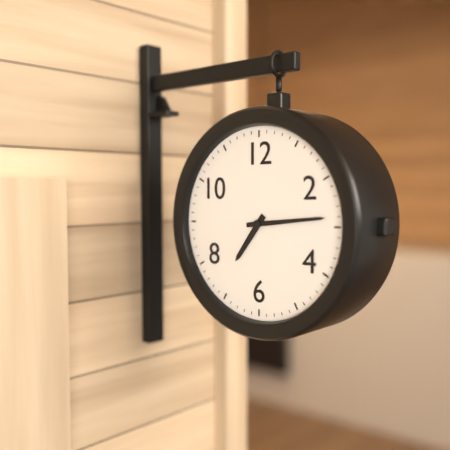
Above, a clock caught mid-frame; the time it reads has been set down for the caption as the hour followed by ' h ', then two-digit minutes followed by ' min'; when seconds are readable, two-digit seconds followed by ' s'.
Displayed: 7 h 14 min
